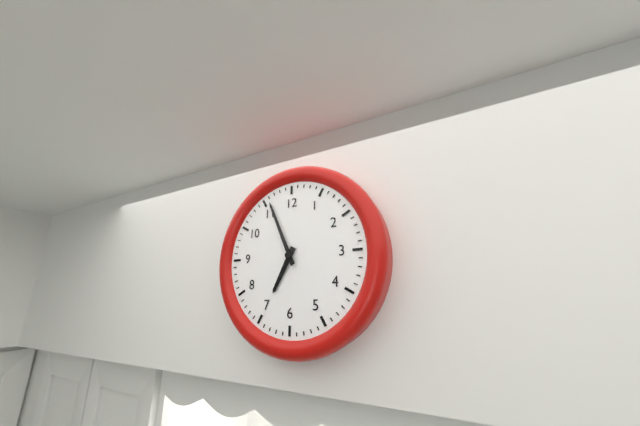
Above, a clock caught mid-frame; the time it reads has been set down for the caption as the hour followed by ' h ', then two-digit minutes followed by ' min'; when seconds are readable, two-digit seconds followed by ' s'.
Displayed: 6 h 56 min
